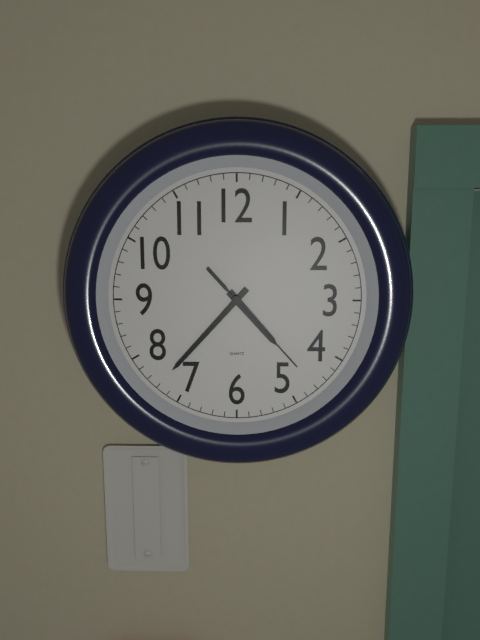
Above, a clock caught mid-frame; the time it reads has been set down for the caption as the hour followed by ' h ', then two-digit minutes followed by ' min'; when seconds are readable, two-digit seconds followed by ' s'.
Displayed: 4 h 37 min 23 s
